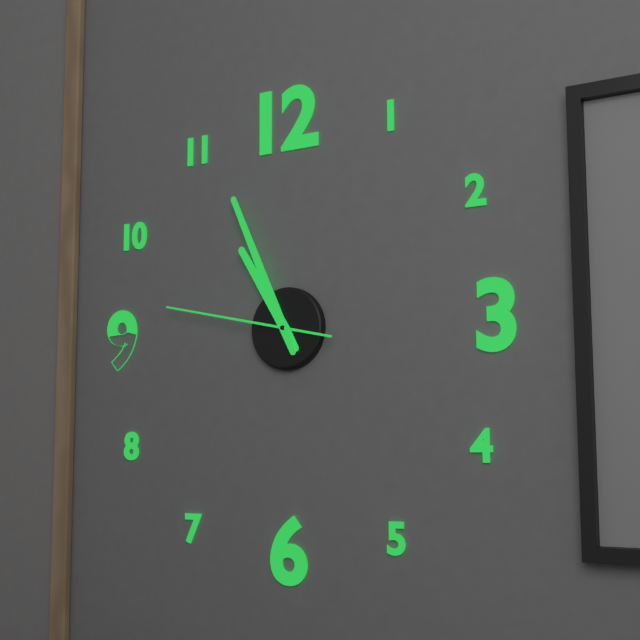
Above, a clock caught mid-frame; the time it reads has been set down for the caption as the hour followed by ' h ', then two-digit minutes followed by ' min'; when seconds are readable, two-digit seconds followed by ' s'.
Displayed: 10 h 56 min 47 s
